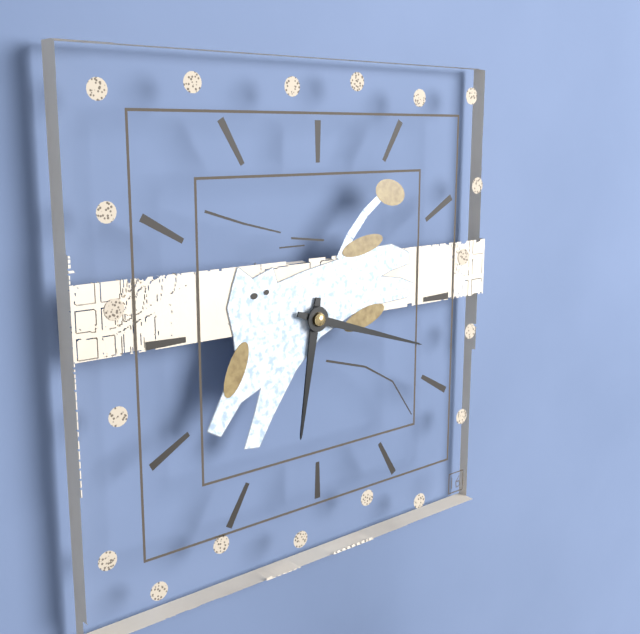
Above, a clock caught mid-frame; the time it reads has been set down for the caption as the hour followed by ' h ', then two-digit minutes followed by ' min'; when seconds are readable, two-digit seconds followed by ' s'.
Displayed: 6 h 18 min
